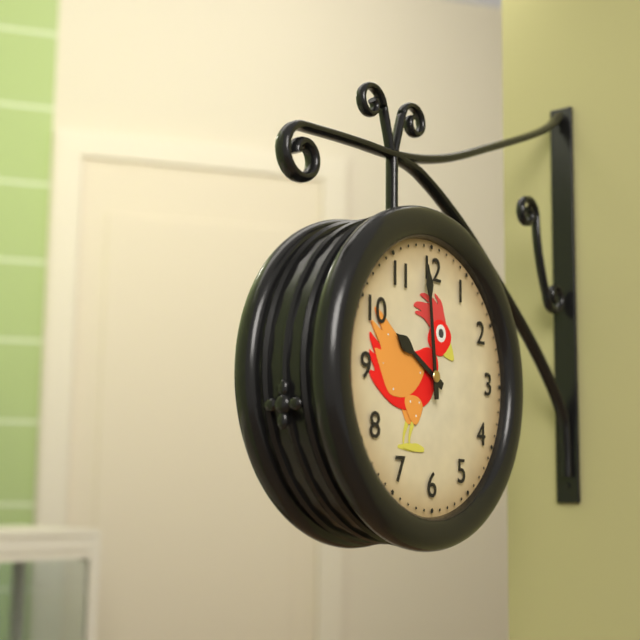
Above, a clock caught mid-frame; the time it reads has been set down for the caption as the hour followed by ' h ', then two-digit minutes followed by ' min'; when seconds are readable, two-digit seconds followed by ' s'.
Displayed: 9 h 59 min
